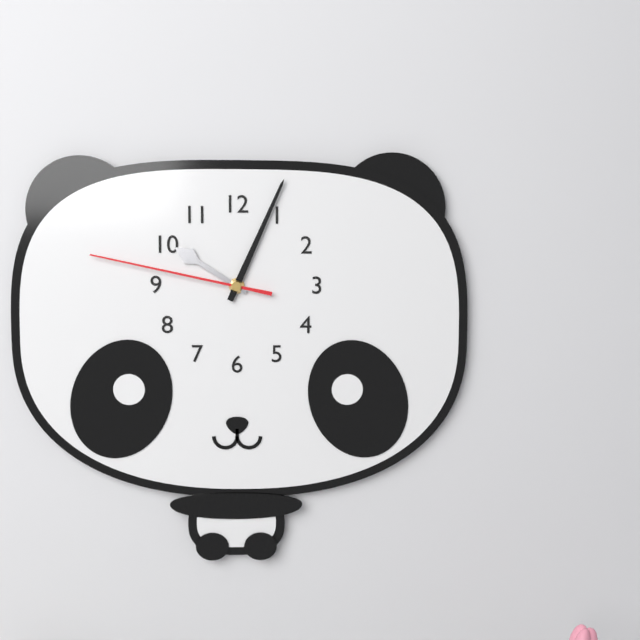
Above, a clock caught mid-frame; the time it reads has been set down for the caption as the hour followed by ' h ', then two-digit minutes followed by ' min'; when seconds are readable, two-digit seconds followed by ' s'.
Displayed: 10 h 04 min 47 s
